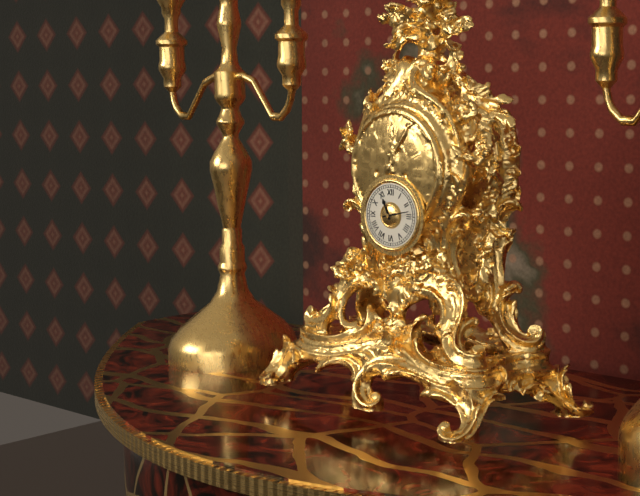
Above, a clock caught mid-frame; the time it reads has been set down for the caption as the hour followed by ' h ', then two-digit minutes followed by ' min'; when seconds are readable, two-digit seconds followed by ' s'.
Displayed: 11 h 13 min
